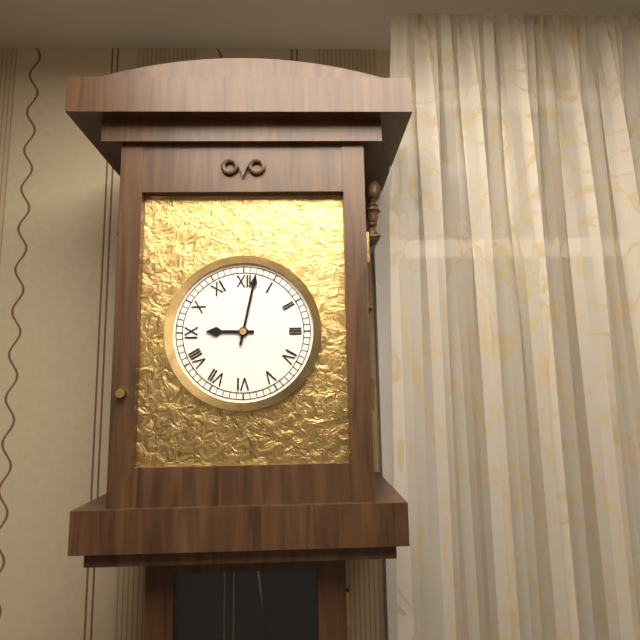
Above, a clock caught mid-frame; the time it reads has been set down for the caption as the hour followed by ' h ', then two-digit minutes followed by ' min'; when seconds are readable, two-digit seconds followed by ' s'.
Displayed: 9 h 02 min
